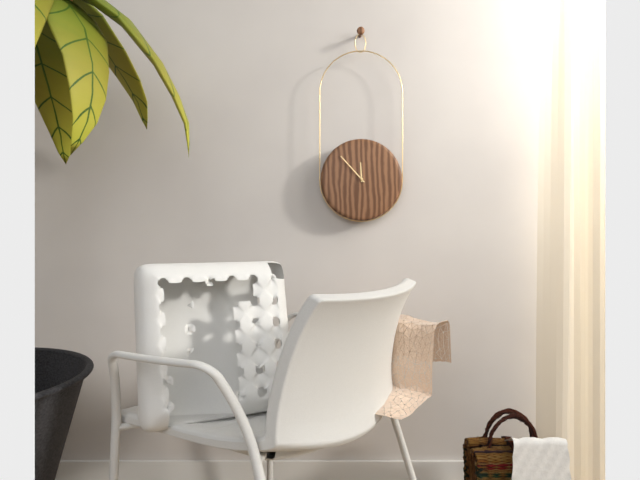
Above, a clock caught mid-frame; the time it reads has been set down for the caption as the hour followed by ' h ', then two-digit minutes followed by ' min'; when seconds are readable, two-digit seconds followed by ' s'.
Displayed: 11 h 53 min
